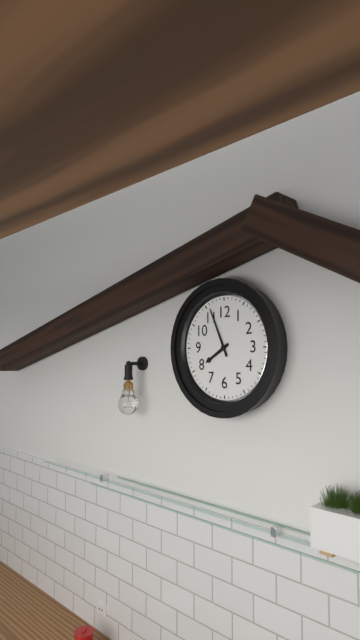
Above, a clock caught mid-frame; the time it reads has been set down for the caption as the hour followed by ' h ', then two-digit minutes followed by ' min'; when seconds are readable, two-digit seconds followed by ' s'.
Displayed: 7 h 56 min
